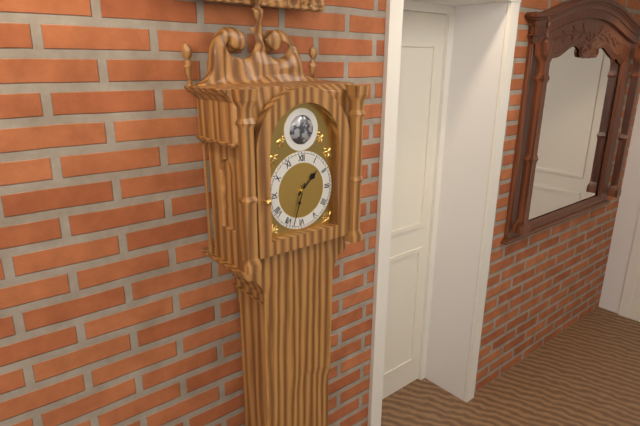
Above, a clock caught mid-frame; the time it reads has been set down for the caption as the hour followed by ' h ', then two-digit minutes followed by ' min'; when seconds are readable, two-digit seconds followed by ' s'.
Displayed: 1 h 33 min
